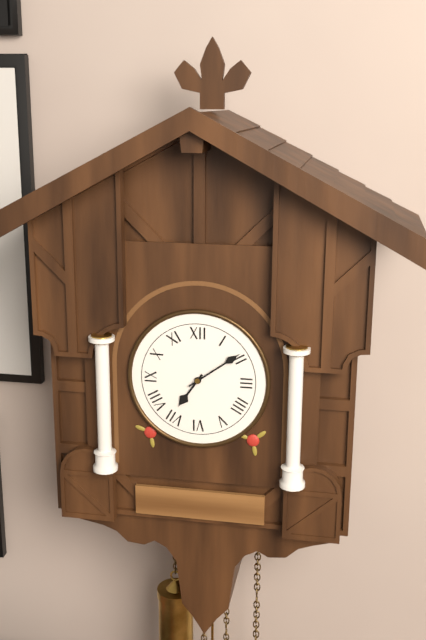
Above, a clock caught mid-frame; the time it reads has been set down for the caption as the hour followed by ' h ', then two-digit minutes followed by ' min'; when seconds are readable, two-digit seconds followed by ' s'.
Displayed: 7 h 09 min
